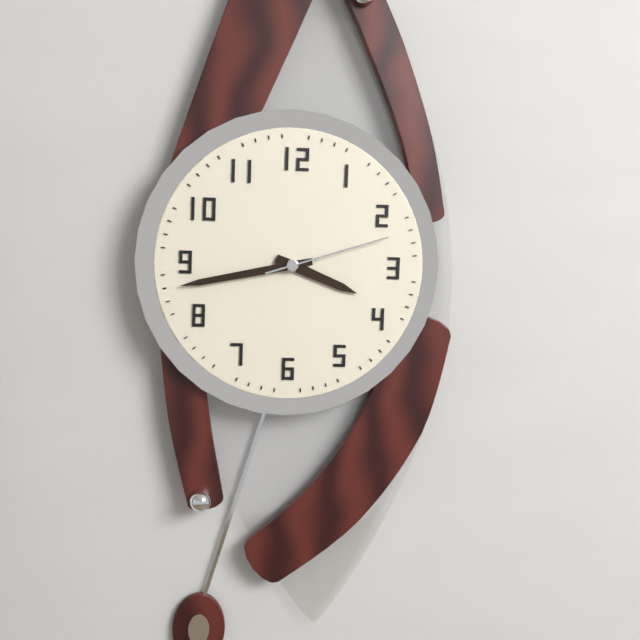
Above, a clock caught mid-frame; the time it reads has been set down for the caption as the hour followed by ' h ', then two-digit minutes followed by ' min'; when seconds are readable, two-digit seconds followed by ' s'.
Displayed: 3 h 43 min 12 s
